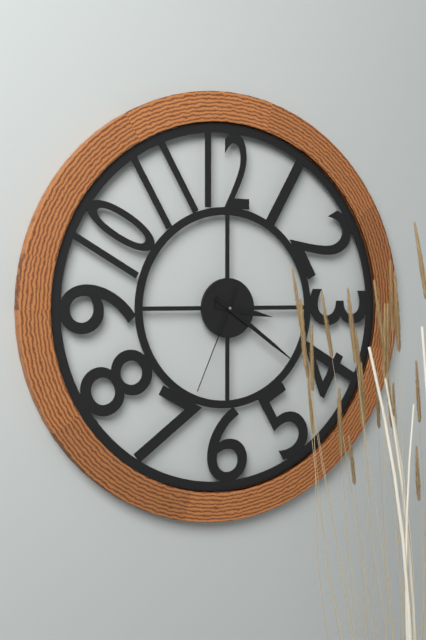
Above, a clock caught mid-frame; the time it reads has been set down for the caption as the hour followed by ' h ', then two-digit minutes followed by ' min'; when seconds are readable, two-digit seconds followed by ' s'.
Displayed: 3 h 21 min 34 s
